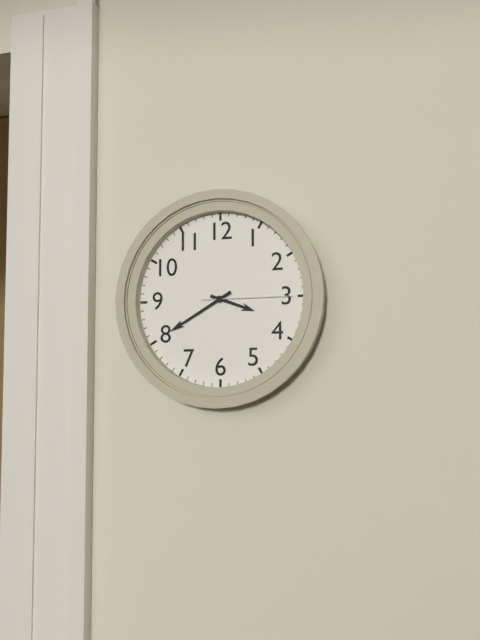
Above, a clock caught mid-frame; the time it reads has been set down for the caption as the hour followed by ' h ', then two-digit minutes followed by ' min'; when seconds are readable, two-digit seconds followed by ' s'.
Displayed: 3 h 40 min 15 s
